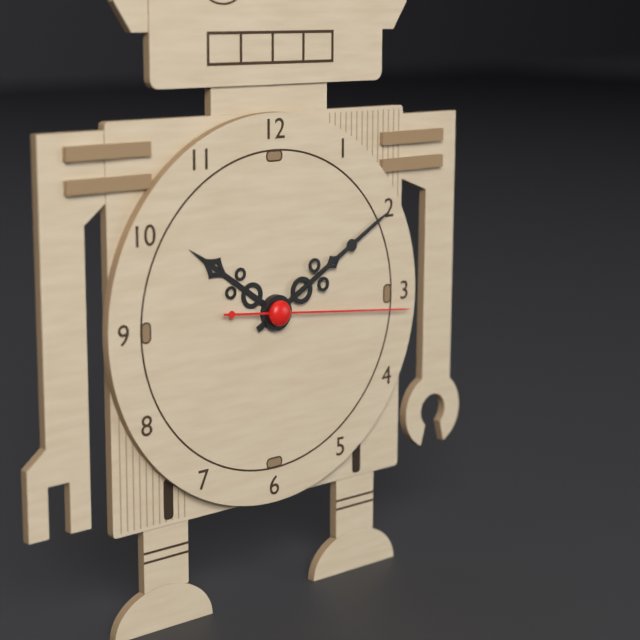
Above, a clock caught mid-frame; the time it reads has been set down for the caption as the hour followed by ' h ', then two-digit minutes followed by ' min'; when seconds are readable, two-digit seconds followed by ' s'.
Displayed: 10 h 10 min 16 s
